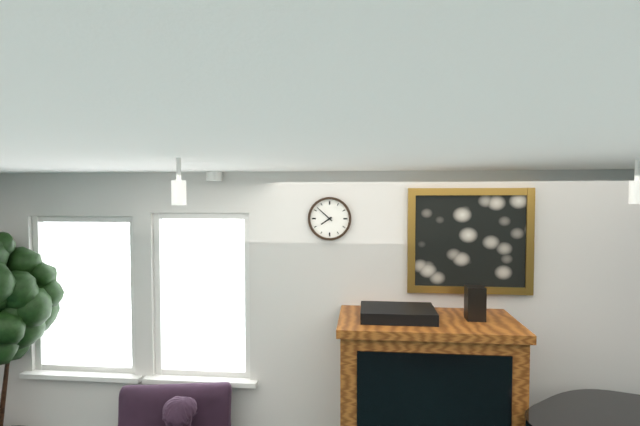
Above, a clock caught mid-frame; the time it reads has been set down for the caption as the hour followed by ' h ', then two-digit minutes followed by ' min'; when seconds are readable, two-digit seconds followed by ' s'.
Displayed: 7 h 52 min
